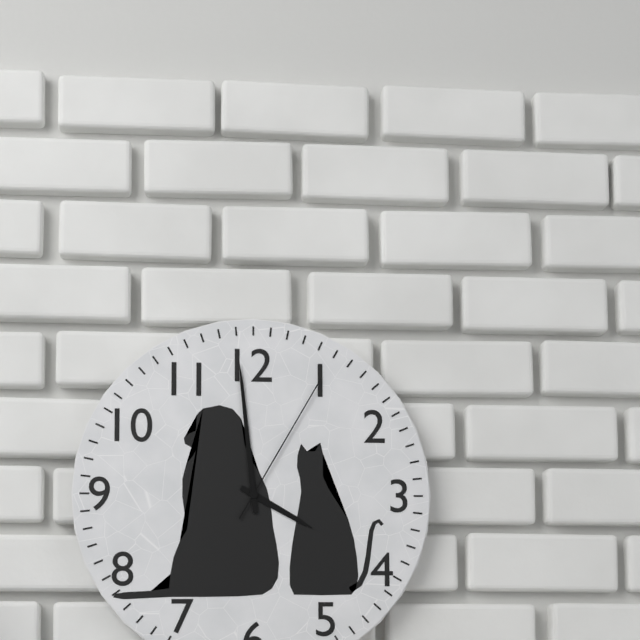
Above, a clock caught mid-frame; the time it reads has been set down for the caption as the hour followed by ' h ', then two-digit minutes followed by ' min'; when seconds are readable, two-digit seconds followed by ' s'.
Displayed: 3 h 59 min 05 s
